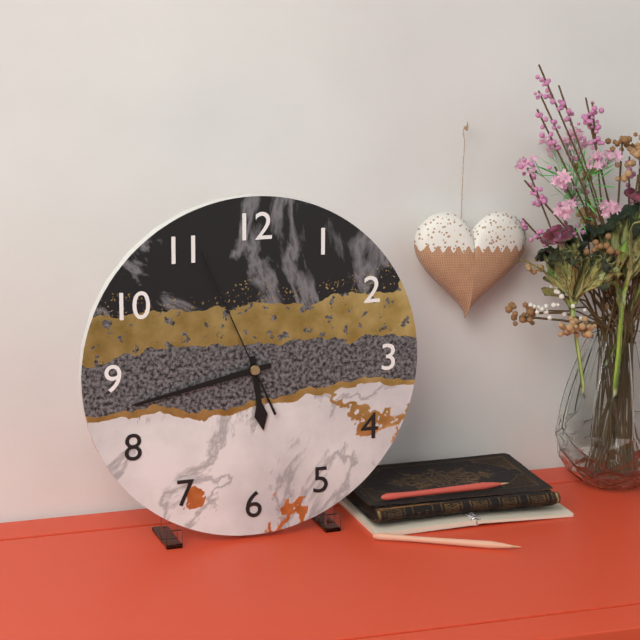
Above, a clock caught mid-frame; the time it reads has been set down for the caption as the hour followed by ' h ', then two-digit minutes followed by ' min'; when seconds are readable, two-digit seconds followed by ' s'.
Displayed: 5 h 43 min 56 s
